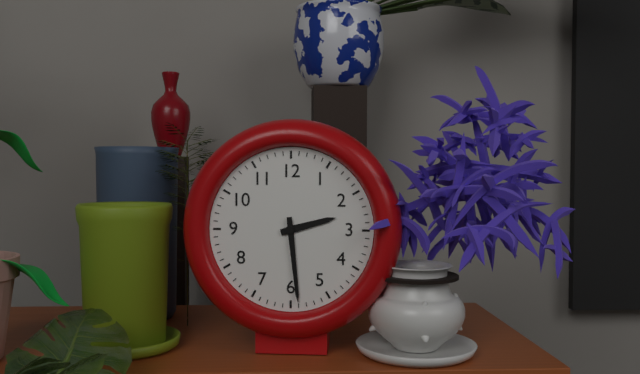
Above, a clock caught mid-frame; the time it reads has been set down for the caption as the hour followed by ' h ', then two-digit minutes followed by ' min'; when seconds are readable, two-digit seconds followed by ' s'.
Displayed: 2 h 29 min
